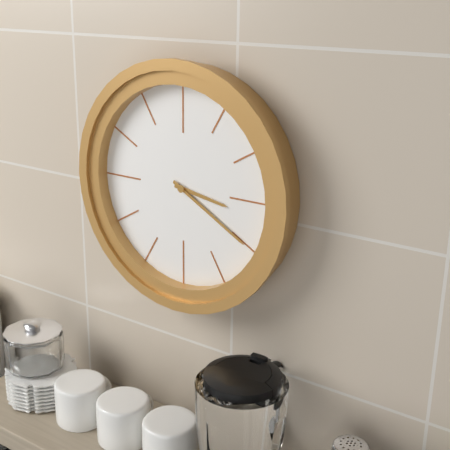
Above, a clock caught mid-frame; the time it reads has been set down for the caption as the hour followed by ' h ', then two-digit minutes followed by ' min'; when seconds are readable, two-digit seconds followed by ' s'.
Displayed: 3 h 20 min
